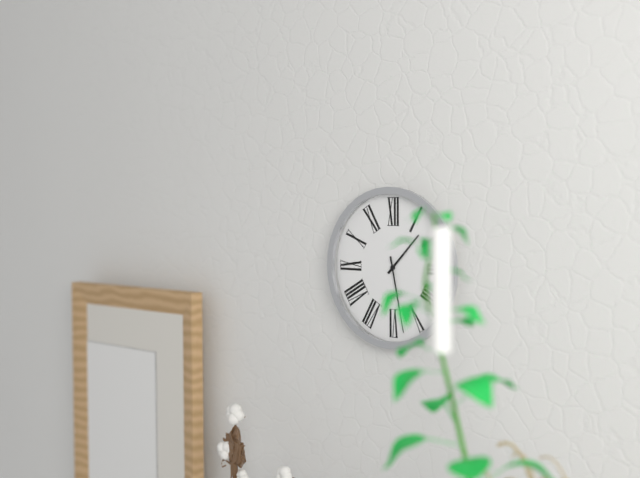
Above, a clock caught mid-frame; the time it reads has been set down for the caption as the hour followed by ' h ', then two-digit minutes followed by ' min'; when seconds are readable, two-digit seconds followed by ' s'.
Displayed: 1 h 28 min
